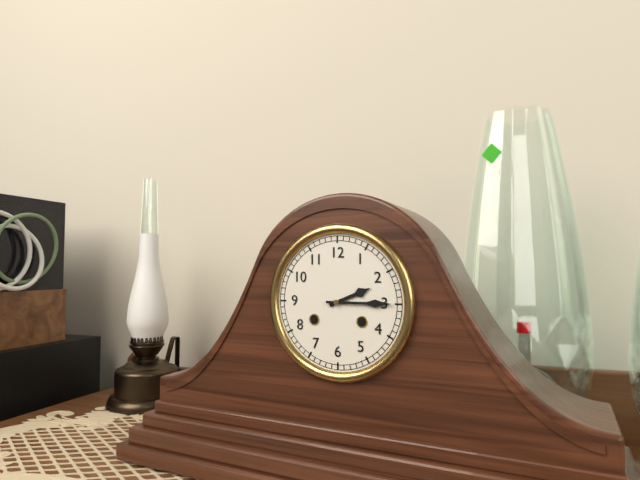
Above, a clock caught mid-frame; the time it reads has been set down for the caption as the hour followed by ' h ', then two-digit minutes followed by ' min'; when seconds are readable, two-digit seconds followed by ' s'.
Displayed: 2 h 15 min
